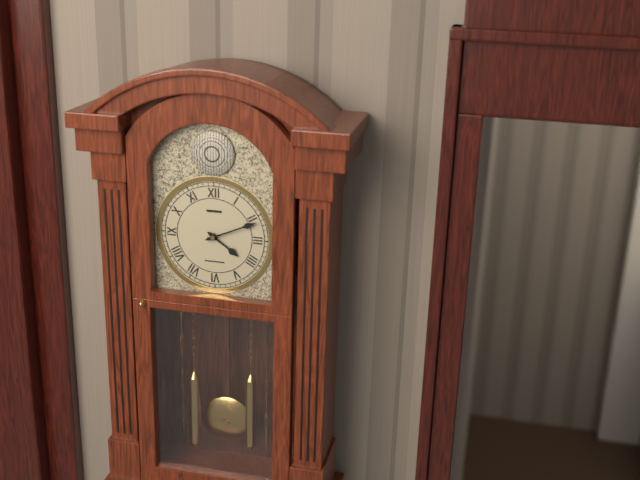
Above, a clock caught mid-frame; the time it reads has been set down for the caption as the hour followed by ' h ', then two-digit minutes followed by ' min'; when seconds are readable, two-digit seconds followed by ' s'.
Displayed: 4 h 11 min
